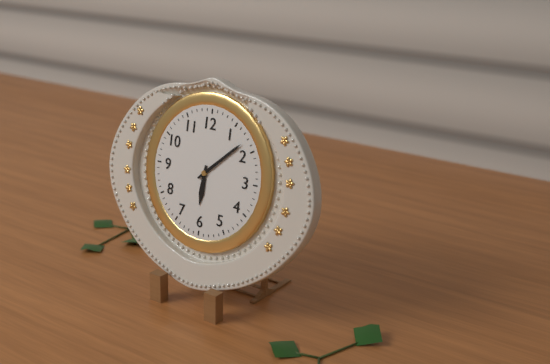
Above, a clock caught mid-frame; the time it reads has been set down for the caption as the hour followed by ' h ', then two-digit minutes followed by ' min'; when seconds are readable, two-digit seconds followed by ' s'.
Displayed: 6 h 08 min
